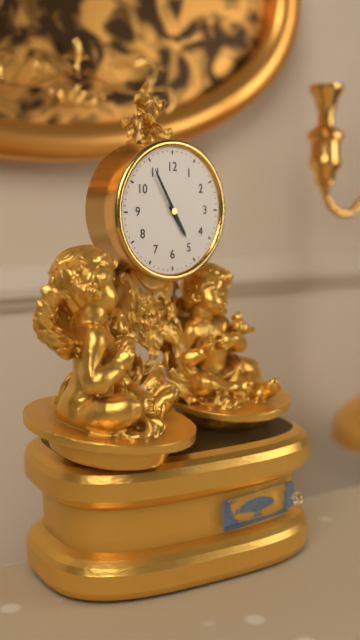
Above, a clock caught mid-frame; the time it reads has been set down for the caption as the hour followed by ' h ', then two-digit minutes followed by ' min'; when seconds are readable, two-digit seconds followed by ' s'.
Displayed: 4 h 55 min
